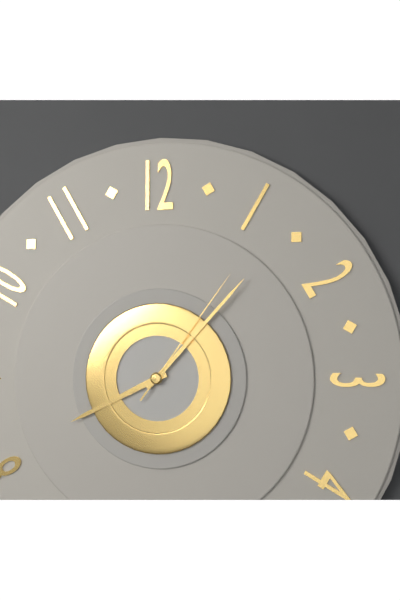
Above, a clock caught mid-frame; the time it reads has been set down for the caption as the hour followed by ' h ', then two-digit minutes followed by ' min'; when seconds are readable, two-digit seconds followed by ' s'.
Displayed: 8 h 07 min 06 s
